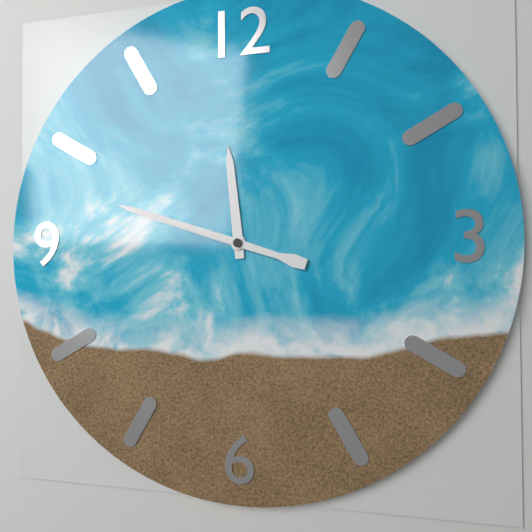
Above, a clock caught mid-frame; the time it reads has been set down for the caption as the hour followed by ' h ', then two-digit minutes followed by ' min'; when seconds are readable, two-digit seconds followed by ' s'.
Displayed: 11 h 48 min
